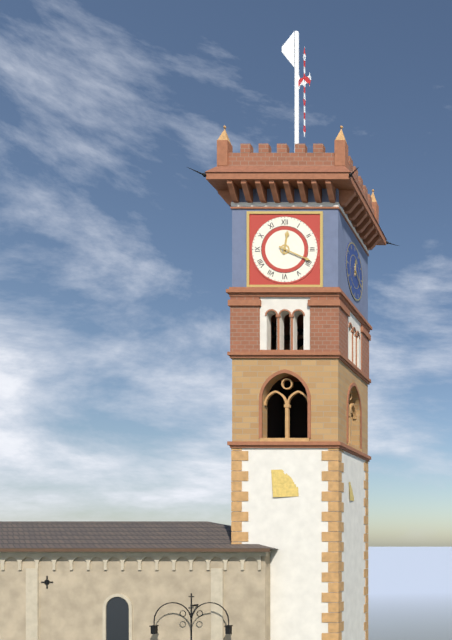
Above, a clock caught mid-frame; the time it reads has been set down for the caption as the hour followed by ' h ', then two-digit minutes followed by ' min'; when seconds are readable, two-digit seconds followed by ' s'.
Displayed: 12 h 19 min
